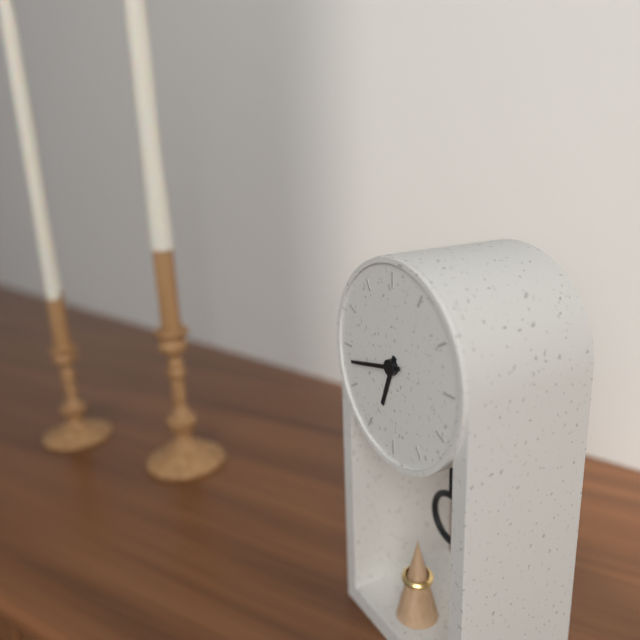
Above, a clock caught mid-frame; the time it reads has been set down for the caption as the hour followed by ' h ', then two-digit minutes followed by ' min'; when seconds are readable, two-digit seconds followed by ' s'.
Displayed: 6 h 43 min
